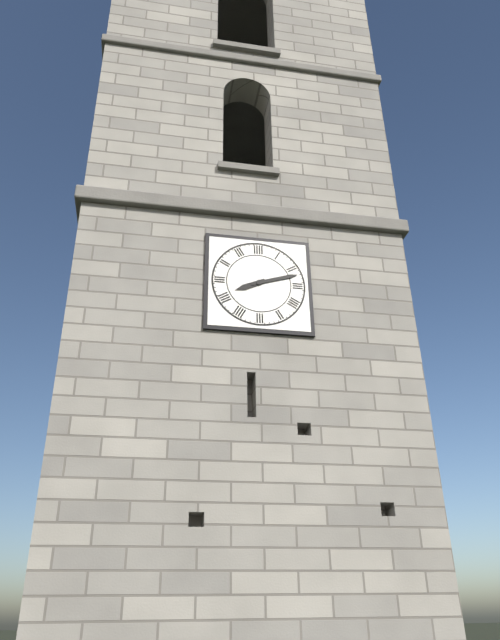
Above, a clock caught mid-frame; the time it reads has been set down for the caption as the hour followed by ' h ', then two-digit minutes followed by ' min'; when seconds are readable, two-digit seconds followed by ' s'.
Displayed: 8 h 12 min
